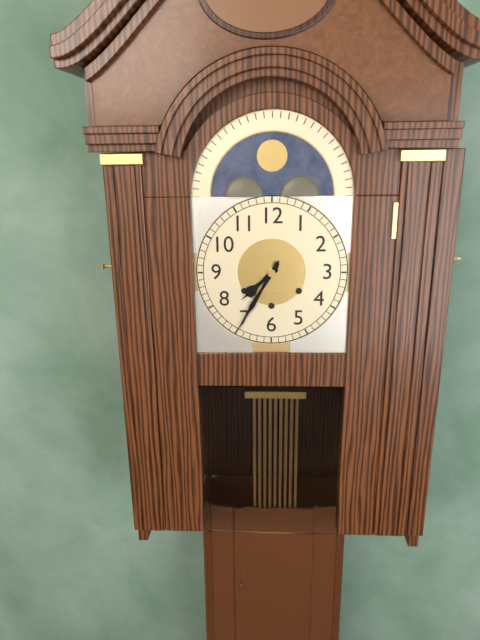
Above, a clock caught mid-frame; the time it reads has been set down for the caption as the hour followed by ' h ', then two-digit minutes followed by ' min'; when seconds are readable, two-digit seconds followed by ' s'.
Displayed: 7 h 35 min
